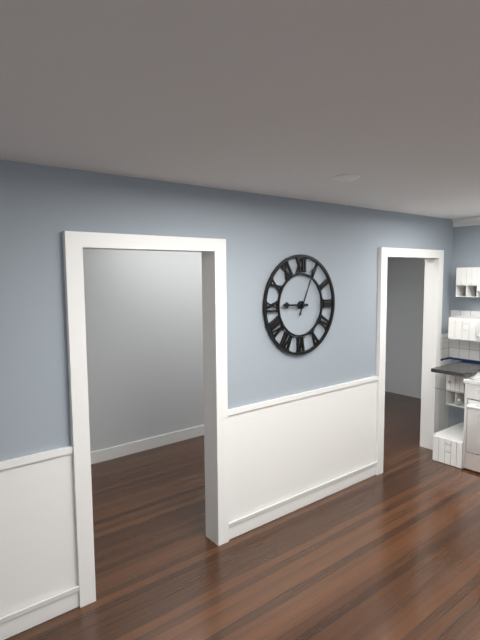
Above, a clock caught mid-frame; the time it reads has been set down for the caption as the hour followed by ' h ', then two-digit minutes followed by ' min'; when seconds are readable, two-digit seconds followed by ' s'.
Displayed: 9 h 04 min
